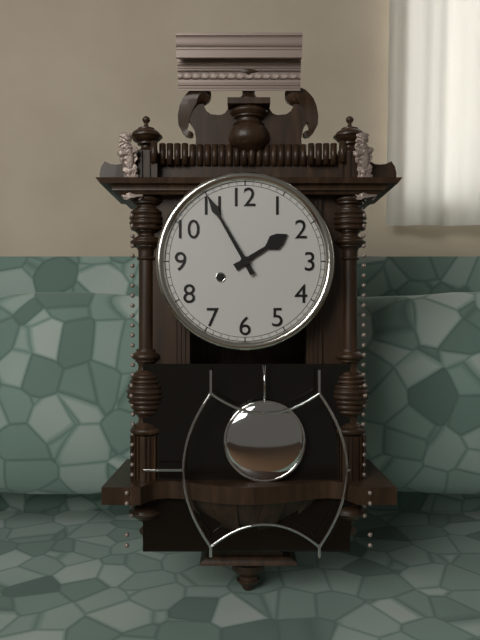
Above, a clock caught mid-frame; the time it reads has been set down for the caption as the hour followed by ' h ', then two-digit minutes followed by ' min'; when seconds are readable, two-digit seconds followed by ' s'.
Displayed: 1 h 55 min
